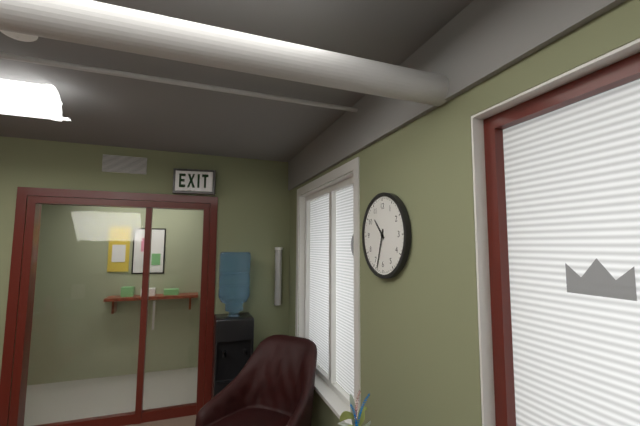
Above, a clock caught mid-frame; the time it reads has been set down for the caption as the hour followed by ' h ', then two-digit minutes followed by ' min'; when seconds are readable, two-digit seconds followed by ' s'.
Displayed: 10 h 33 min
